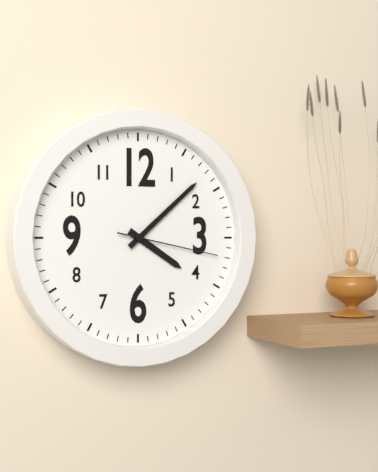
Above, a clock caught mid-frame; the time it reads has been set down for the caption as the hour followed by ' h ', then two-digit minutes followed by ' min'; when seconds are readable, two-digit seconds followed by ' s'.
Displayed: 4 h 08 min 17 s
